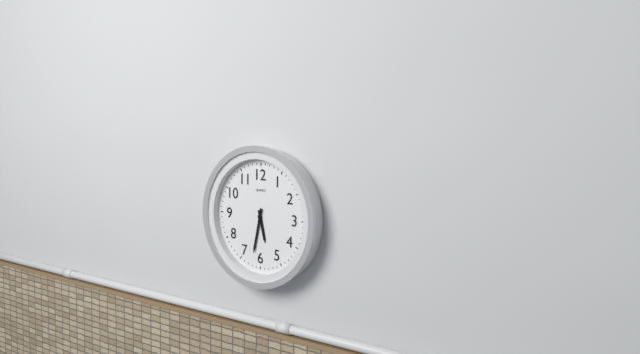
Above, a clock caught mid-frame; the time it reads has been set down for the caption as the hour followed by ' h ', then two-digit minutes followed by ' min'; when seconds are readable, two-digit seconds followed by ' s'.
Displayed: 5 h 32 min
